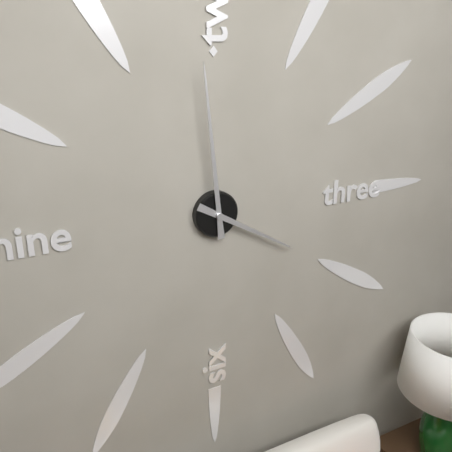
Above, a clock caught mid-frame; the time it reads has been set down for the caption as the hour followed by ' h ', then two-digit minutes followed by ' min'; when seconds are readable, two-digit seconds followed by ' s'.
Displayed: 3 h 59 min
